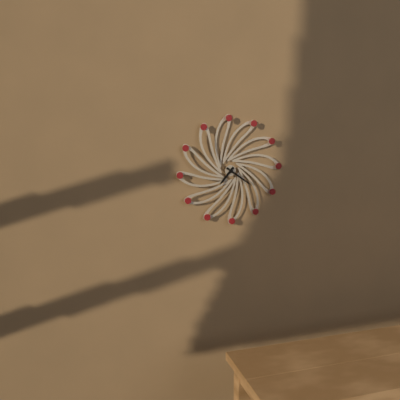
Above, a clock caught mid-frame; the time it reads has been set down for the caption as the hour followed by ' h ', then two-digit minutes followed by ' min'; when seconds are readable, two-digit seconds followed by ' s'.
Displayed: 7 h 21 min
